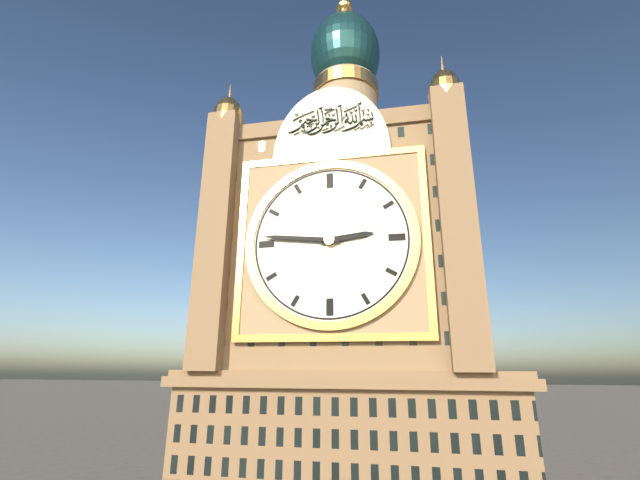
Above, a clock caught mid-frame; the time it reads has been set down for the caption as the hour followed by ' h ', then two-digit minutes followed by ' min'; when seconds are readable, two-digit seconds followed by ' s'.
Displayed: 2 h 46 min
